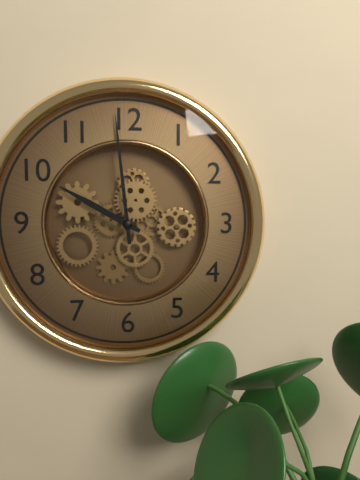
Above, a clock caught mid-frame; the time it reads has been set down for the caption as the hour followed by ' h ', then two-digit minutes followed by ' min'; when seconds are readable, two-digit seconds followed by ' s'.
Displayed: 9 h 59 min
